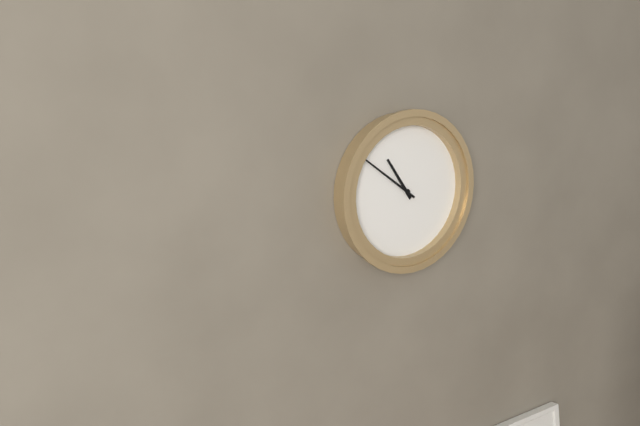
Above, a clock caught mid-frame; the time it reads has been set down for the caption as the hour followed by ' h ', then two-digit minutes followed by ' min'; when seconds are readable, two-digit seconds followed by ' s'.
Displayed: 10 h 51 min
